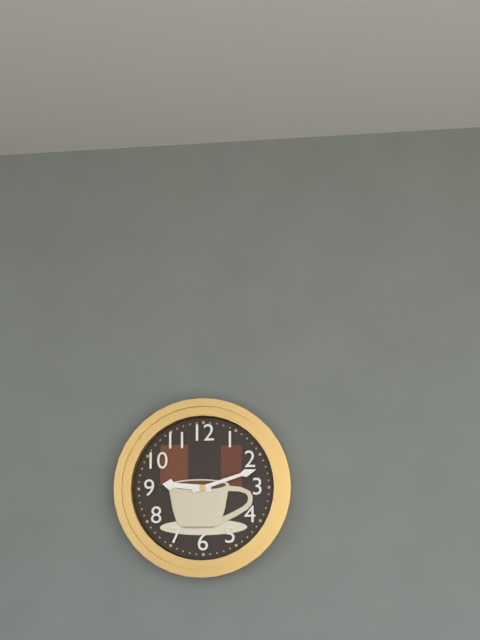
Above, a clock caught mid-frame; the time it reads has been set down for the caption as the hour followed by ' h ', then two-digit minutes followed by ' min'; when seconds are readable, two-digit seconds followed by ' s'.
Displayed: 9 h 12 min
